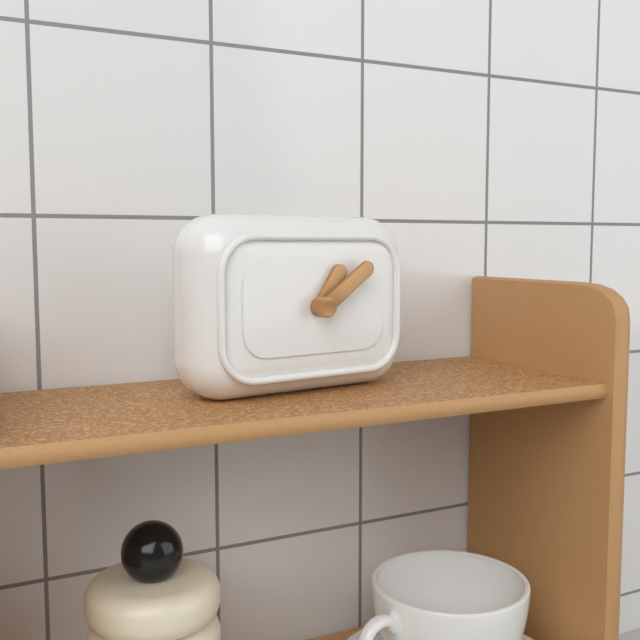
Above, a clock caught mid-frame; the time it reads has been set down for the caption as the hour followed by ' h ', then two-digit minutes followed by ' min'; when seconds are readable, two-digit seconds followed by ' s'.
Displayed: 1 h 09 min
